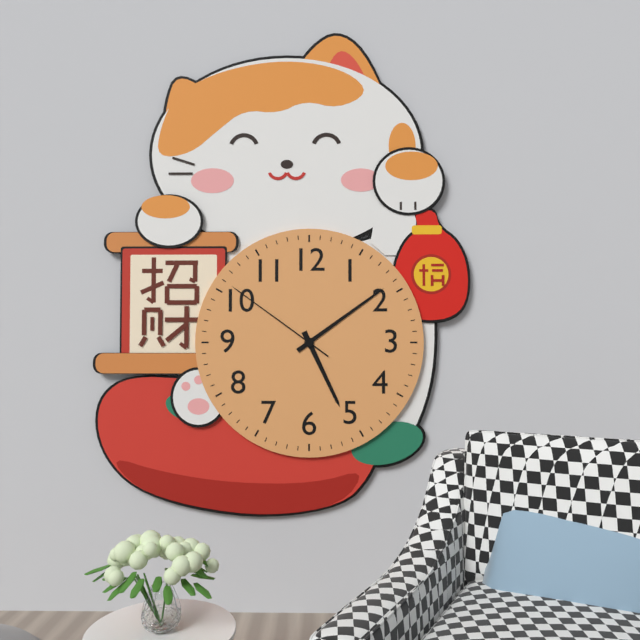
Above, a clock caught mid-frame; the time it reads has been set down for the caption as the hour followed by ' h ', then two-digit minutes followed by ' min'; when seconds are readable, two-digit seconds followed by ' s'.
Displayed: 5 h 09 min 51 s
